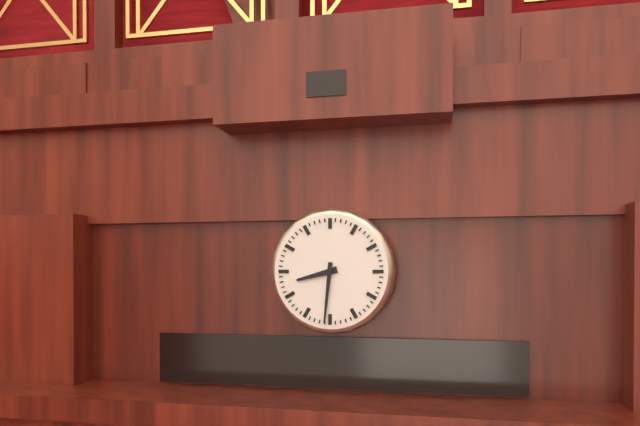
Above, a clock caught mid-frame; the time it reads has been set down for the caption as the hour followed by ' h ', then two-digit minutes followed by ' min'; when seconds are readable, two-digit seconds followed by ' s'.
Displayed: 8 h 31 min
